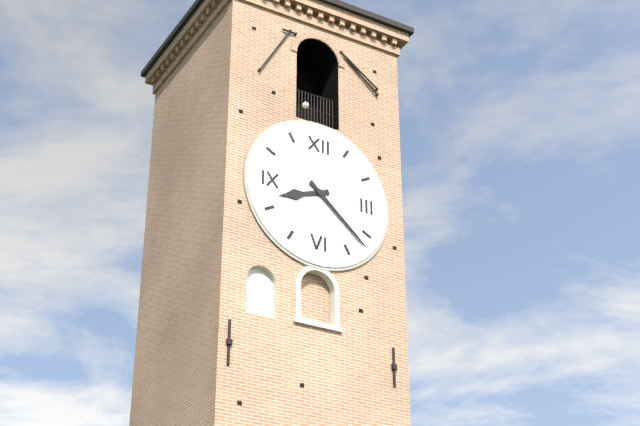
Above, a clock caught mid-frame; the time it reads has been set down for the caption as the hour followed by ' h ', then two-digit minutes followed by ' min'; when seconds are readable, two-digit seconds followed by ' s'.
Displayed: 8 h 22 min
